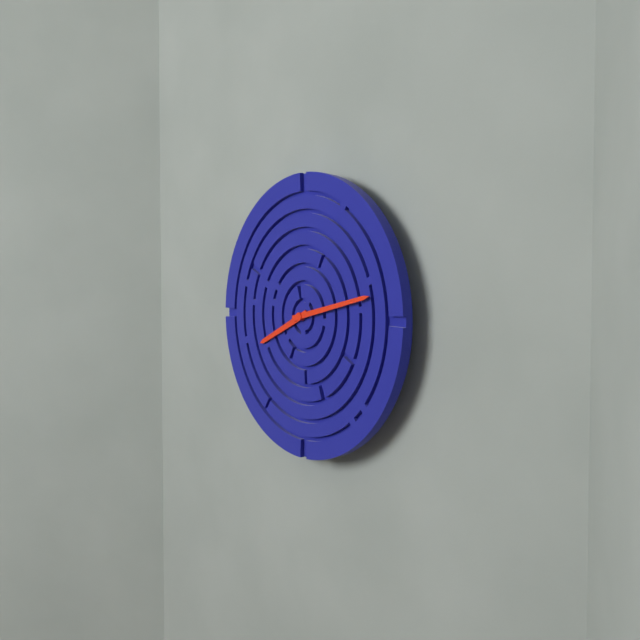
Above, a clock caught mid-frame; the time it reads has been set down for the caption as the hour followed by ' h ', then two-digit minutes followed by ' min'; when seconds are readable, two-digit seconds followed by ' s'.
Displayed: 8 h 13 min
